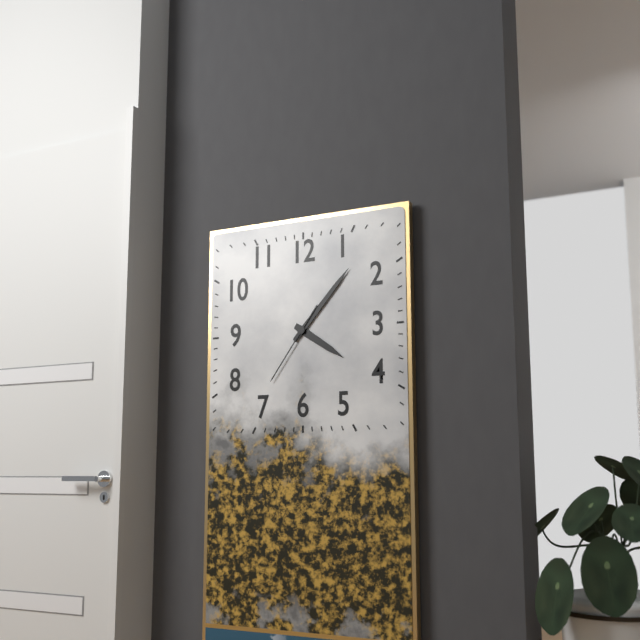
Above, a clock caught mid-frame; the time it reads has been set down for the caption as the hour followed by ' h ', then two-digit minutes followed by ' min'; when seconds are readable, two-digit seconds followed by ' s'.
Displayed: 4 h 07 min 36 s
